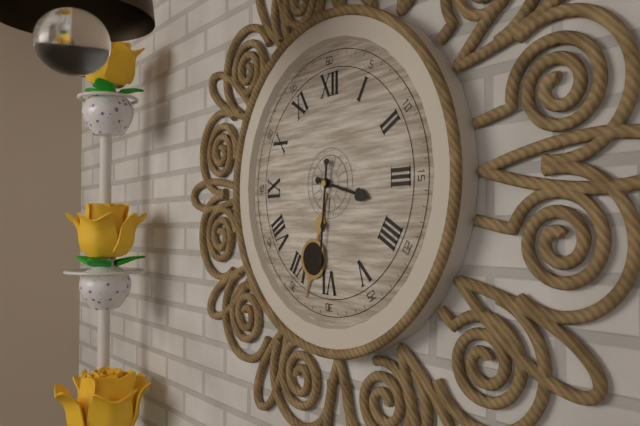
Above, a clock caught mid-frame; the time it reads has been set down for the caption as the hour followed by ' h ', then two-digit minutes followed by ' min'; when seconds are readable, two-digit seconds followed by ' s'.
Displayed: 3 h 31 min
